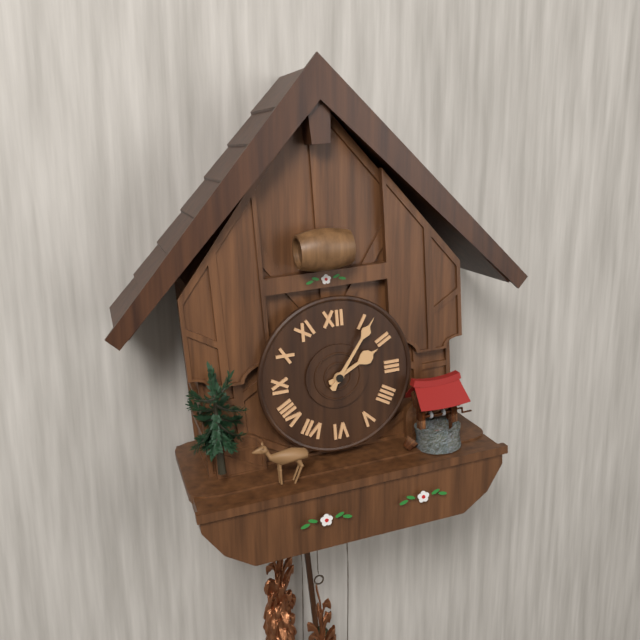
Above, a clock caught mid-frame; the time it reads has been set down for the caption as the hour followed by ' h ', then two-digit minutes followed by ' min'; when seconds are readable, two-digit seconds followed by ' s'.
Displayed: 2 h 06 min
